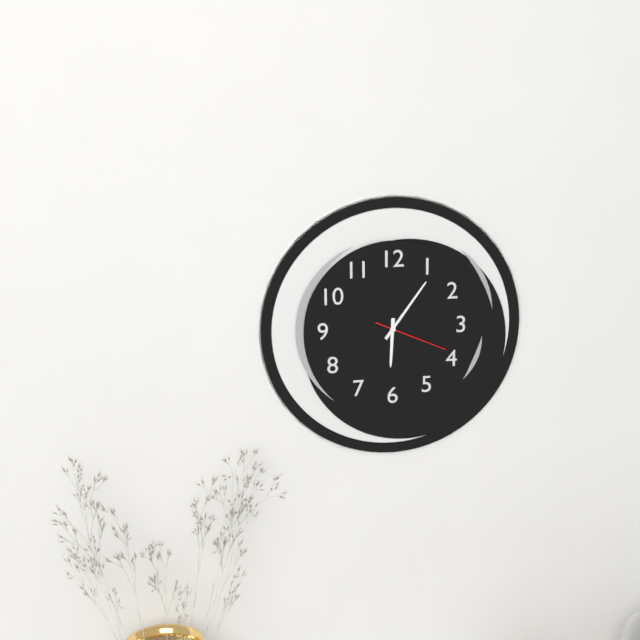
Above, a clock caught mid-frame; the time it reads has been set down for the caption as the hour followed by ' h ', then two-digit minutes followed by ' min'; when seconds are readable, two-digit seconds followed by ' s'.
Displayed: 6 h 06 min 19 s
